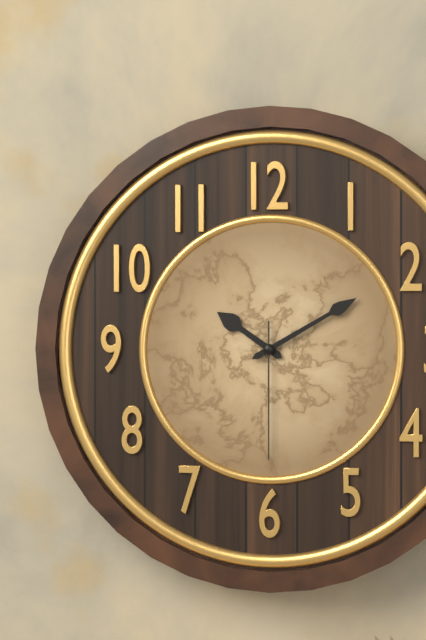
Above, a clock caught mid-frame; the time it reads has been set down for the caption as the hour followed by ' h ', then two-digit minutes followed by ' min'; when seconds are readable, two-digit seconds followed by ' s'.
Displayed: 10 h 10 min 30 s
